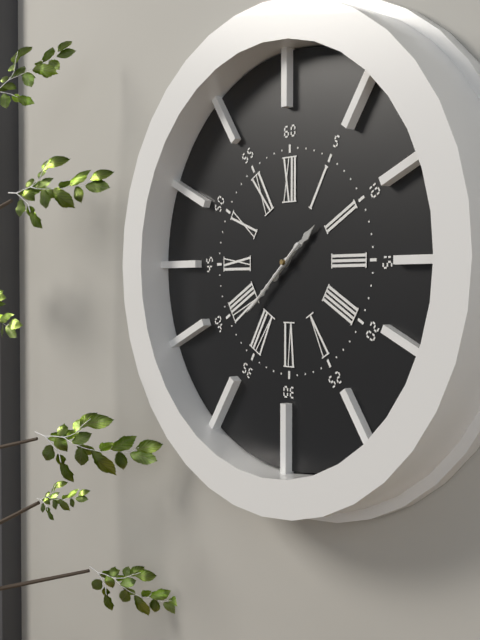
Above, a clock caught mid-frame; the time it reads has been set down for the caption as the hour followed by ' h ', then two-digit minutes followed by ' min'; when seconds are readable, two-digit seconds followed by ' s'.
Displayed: 1 h 38 min 38 s
